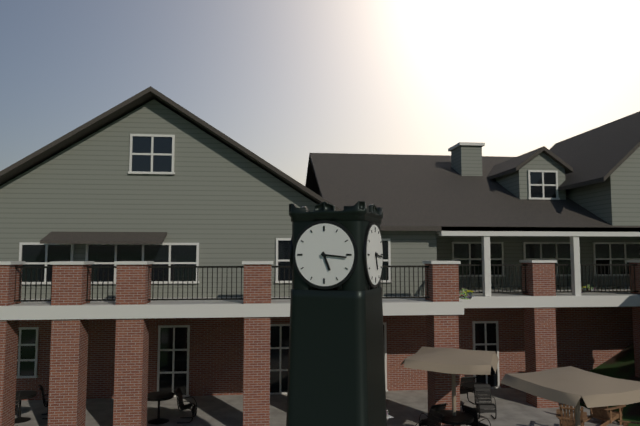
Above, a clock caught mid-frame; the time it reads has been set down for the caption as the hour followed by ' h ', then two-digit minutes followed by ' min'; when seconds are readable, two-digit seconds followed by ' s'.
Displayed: 5 h 16 min
